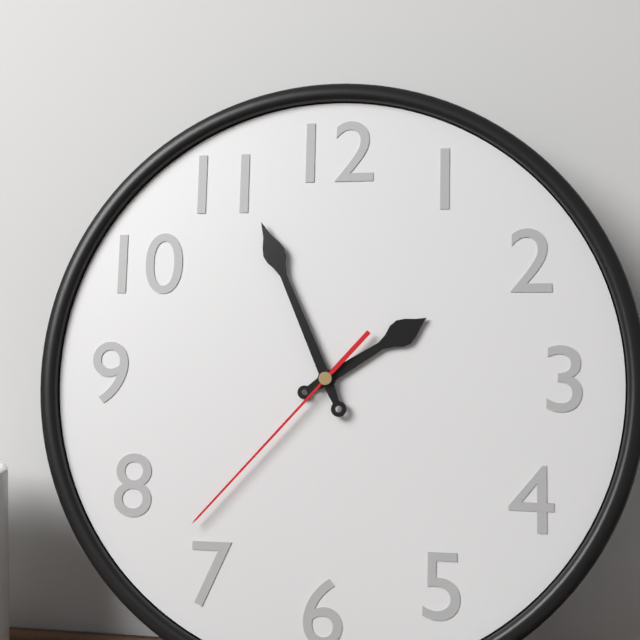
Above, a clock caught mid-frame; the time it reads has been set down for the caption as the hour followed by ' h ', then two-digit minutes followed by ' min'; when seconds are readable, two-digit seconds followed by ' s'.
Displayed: 1 h 56 min 37 s
